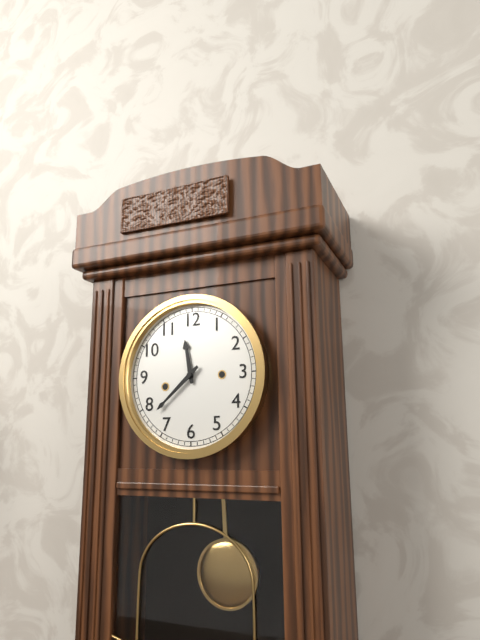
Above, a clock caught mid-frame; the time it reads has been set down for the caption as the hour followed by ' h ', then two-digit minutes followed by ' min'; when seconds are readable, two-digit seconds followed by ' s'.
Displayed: 11 h 38 min
